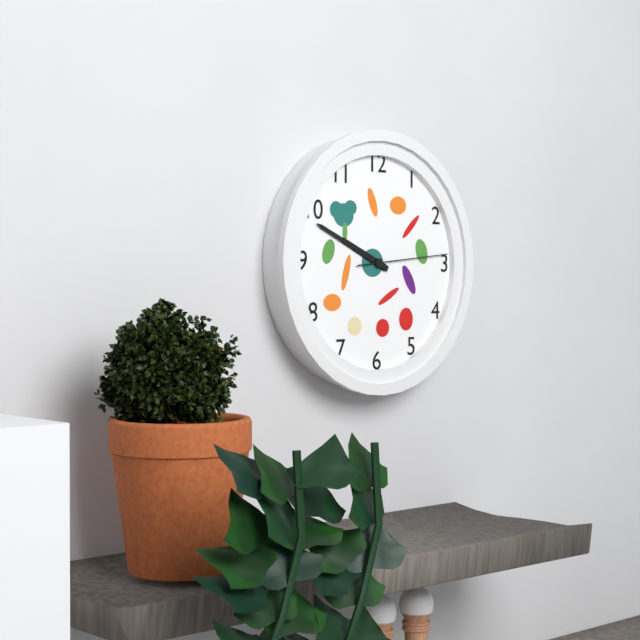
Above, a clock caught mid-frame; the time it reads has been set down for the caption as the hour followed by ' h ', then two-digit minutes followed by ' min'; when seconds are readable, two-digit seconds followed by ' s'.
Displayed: 9 h 49 min 14 s
